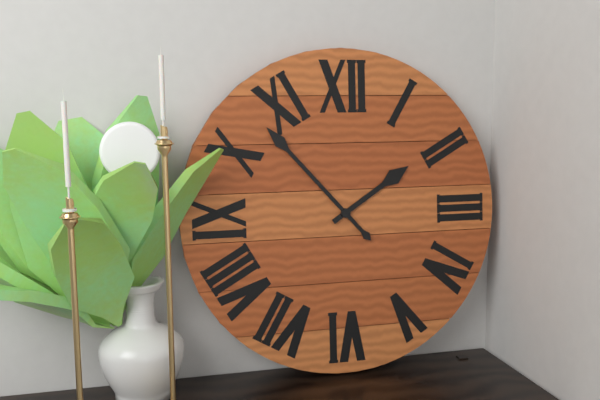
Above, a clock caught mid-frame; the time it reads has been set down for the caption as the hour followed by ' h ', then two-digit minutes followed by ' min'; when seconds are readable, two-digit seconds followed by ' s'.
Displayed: 1 h 53 min
